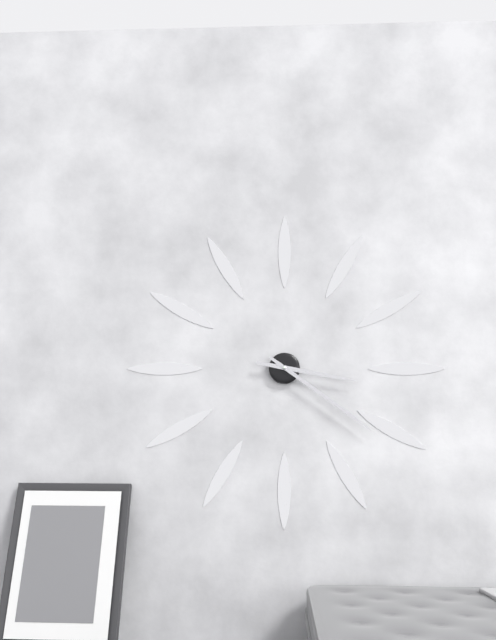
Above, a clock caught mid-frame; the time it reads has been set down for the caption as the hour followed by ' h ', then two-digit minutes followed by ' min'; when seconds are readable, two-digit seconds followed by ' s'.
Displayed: 3 h 21 min
